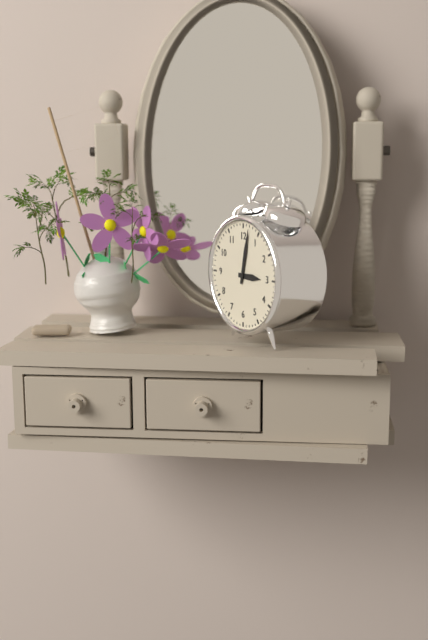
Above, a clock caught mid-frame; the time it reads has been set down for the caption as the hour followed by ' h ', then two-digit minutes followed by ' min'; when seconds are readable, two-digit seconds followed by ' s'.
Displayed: 3 h 02 min
